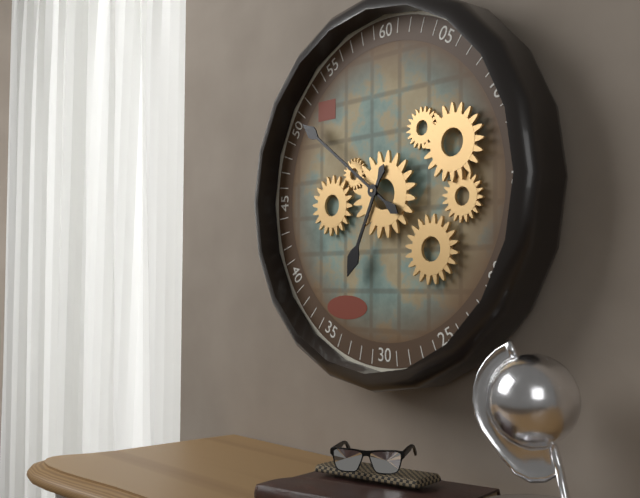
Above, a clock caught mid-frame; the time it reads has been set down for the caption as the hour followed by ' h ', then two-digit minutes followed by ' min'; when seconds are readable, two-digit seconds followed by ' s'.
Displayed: 6 h 51 min
